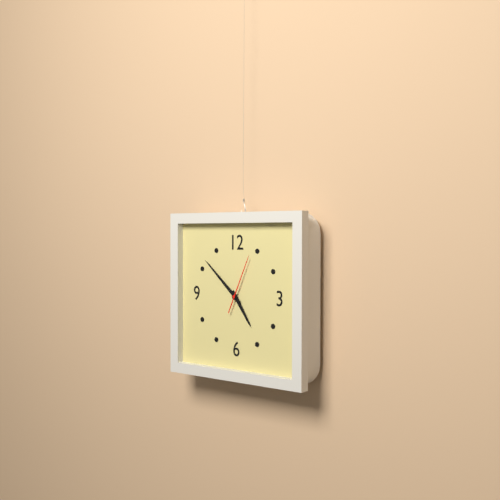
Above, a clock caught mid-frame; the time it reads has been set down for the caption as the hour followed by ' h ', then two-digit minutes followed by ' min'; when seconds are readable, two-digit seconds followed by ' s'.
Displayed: 4 h 52 min 04 s
